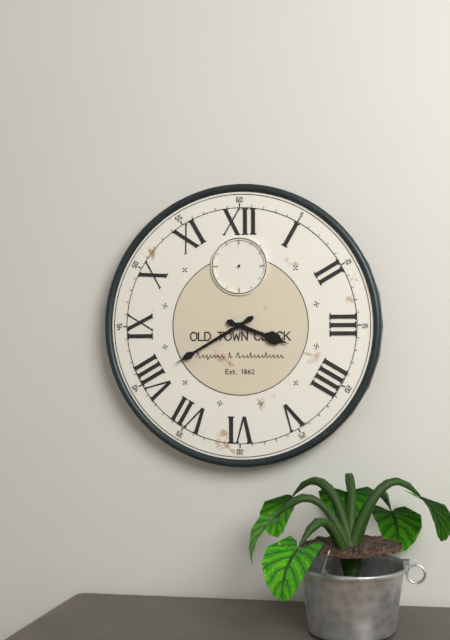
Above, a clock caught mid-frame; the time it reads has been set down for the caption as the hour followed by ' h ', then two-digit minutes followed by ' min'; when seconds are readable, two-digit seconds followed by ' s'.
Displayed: 3 h 40 min
